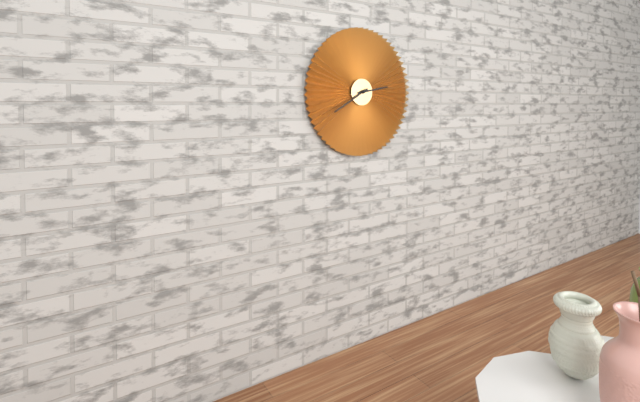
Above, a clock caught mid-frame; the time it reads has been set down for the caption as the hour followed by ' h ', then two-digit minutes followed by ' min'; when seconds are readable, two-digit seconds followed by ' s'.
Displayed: 2 h 40 min
